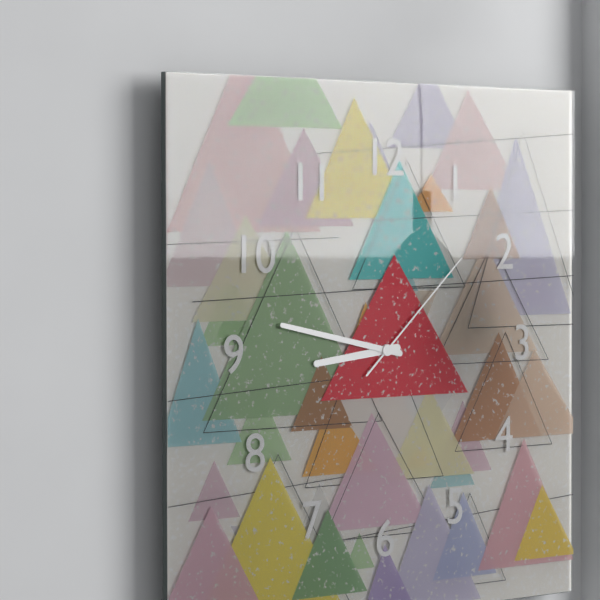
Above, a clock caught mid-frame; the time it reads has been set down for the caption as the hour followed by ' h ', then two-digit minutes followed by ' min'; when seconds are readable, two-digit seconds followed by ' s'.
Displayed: 8 h 47 min 08 s
